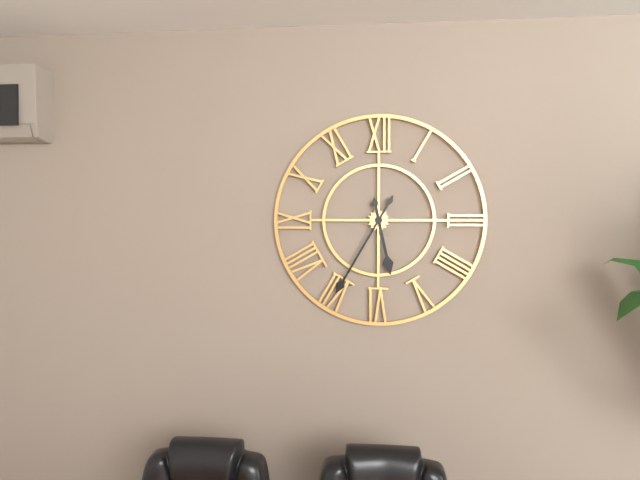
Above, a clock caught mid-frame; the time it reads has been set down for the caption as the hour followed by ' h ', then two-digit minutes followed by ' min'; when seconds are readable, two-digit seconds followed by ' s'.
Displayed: 5 h 35 min
